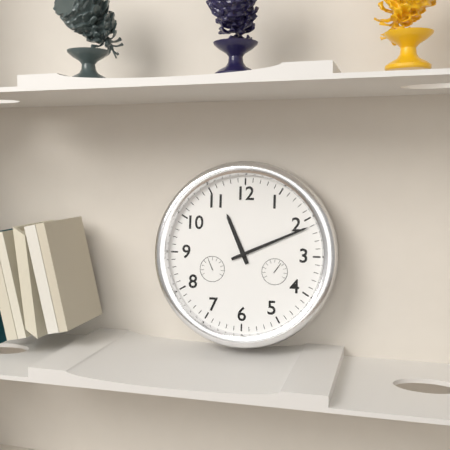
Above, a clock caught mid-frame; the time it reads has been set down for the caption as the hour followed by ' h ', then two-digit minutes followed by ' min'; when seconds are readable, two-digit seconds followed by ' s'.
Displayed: 11 h 11 min
